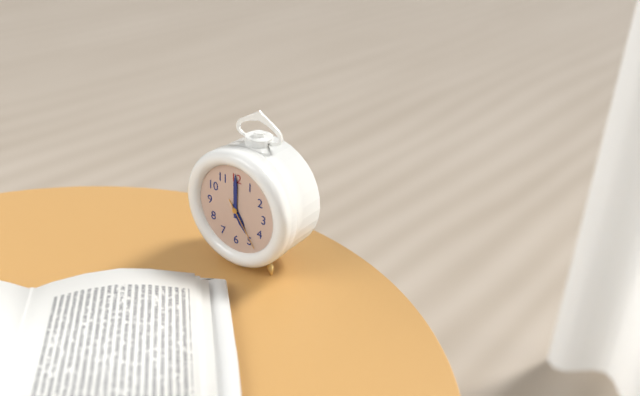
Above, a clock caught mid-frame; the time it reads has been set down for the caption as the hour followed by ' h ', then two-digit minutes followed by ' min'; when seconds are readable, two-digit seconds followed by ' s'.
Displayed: 5 h 00 min 24 s
